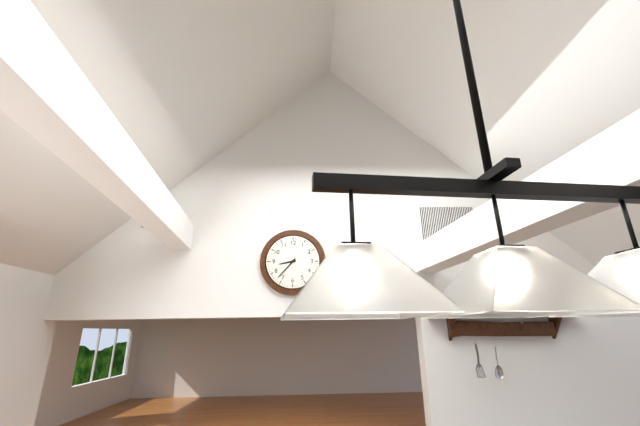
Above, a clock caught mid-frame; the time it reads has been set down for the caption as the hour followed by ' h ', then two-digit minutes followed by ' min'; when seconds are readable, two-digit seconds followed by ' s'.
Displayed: 8 h 37 min
